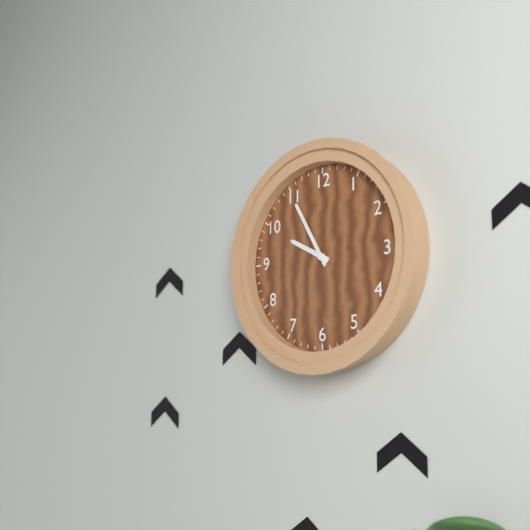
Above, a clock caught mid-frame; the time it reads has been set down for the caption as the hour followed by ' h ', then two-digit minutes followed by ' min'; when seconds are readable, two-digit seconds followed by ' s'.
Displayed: 9 h 55 min
